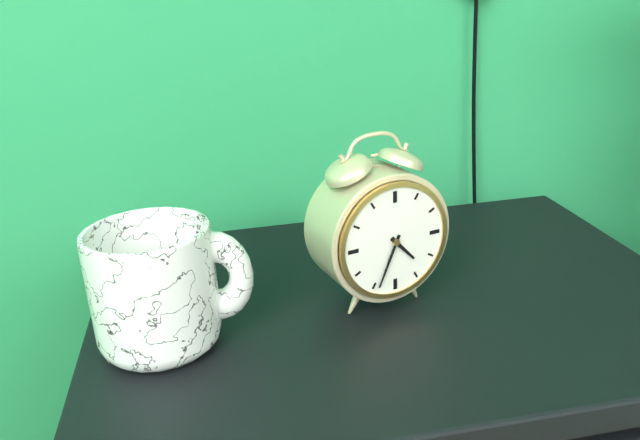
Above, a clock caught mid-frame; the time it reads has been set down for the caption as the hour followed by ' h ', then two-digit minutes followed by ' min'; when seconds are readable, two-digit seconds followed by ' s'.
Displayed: 4 h 34 min
